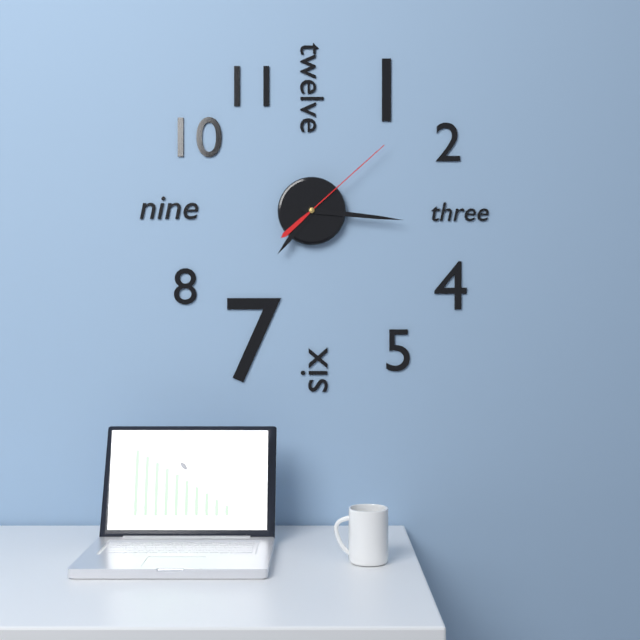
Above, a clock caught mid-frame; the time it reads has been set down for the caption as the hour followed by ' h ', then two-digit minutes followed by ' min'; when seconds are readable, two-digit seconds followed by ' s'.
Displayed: 7 h 16 min 08 s
